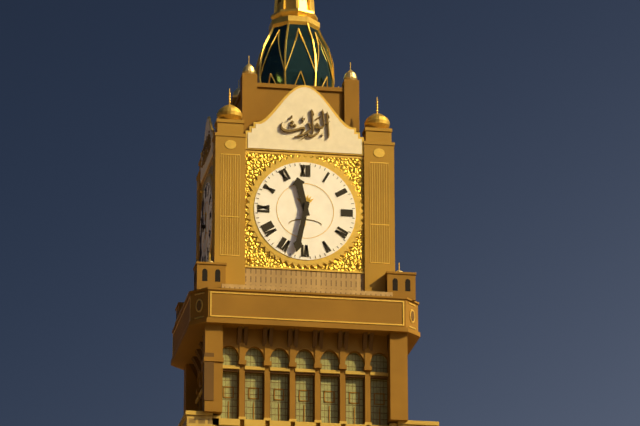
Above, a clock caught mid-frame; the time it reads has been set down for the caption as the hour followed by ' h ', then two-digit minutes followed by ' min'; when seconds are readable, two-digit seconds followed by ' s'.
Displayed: 11 h 32 min
